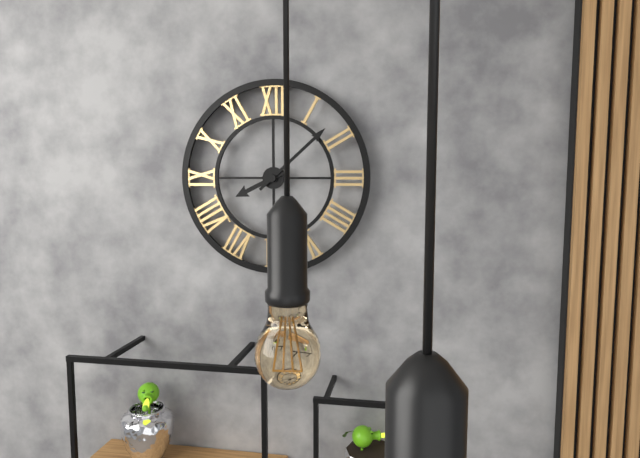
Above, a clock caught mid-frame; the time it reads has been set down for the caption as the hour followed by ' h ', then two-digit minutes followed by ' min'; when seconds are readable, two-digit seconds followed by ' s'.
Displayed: 8 h 08 min
